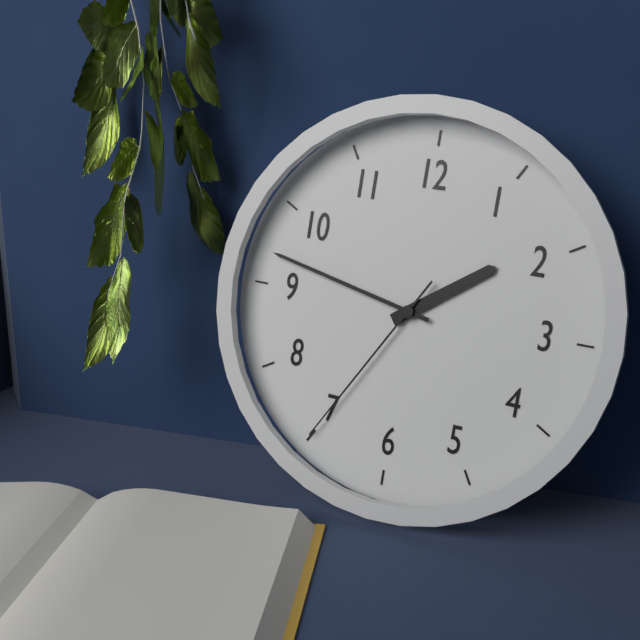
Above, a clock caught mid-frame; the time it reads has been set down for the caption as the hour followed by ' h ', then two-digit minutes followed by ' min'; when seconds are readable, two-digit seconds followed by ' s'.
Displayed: 1 h 47 min 35 s
